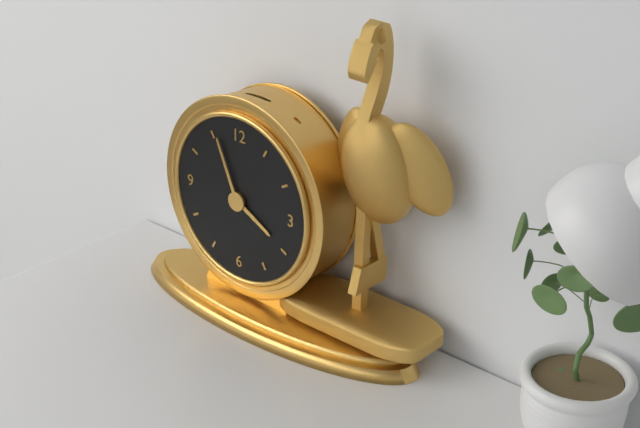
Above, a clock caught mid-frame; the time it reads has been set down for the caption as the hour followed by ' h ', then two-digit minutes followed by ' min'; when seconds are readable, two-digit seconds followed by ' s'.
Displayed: 3 h 56 min
